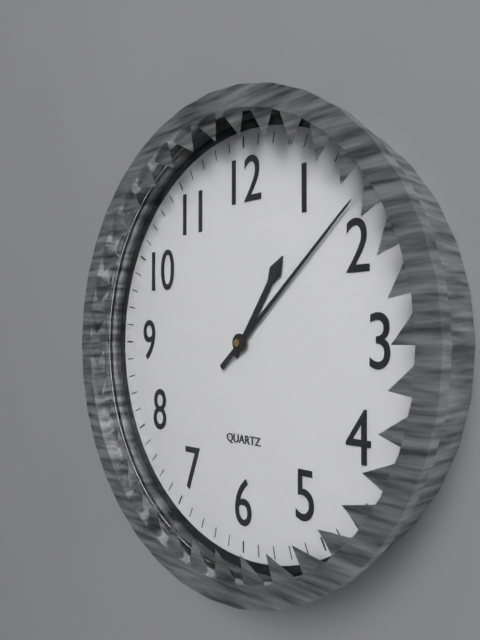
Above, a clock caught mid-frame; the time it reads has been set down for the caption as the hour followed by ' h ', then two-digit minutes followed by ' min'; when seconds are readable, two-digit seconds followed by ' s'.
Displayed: 1 h 08 min
